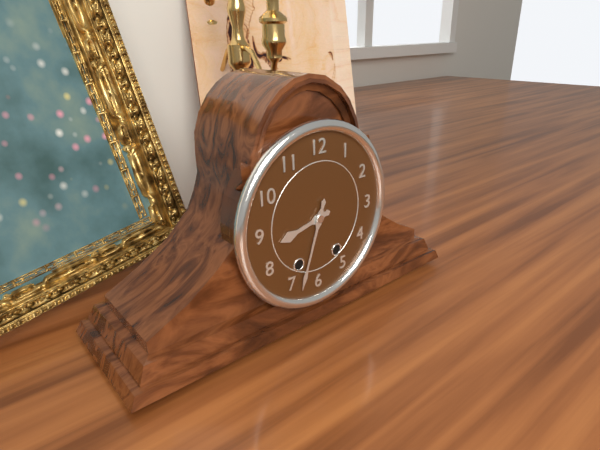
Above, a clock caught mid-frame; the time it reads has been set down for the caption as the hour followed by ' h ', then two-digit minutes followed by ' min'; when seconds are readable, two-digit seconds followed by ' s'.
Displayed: 8 h 33 min
